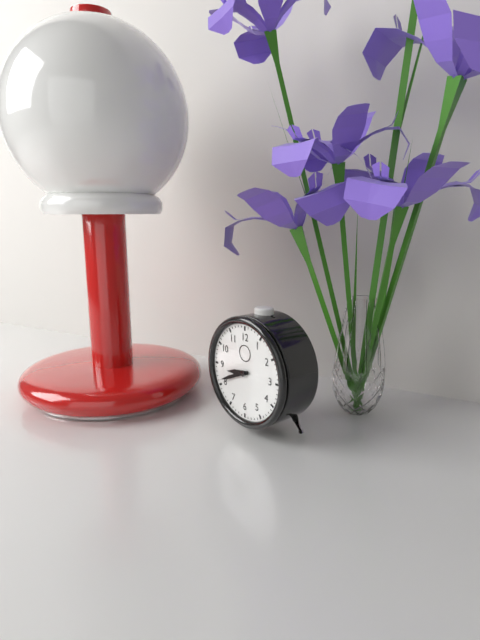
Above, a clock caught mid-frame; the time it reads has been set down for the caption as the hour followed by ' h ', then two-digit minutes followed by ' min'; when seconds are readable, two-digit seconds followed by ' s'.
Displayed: 8 h 41 min
